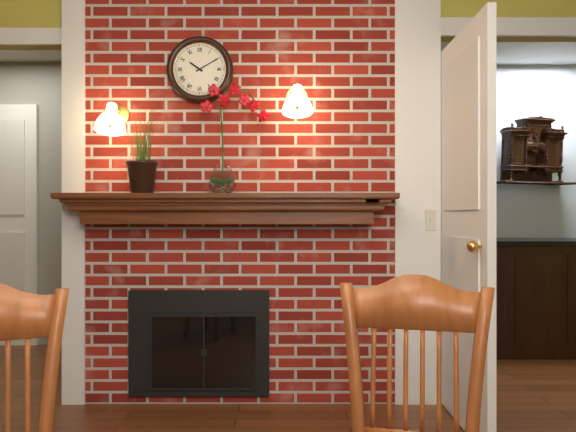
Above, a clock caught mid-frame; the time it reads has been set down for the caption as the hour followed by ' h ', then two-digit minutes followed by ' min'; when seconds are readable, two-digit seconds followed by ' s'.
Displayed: 10 h 10 min
